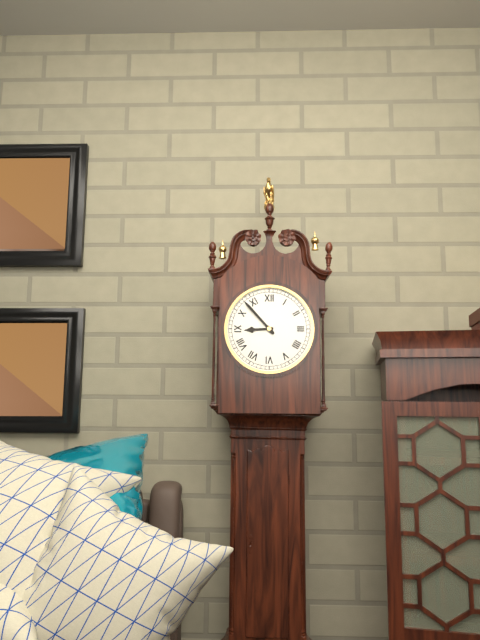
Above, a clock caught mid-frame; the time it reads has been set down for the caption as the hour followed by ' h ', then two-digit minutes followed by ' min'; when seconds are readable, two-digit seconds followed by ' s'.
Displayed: 8 h 53 min
